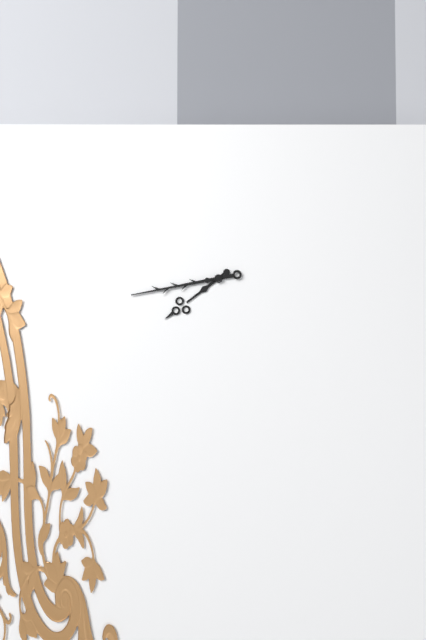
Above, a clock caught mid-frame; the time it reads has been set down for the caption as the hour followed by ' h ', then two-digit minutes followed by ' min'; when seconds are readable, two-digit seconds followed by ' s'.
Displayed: 7 h 43 min
